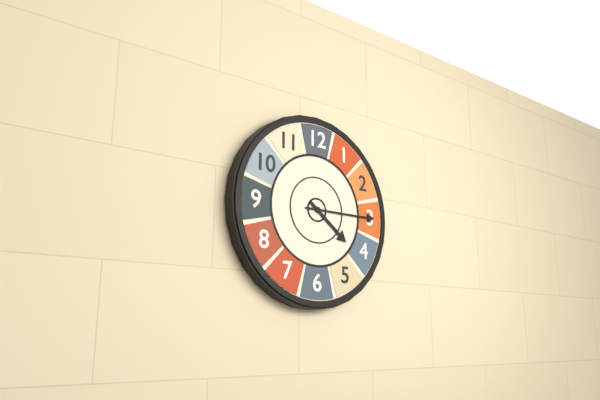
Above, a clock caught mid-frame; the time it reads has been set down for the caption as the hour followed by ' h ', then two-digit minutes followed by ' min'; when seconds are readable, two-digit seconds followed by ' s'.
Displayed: 4 h 15 min
